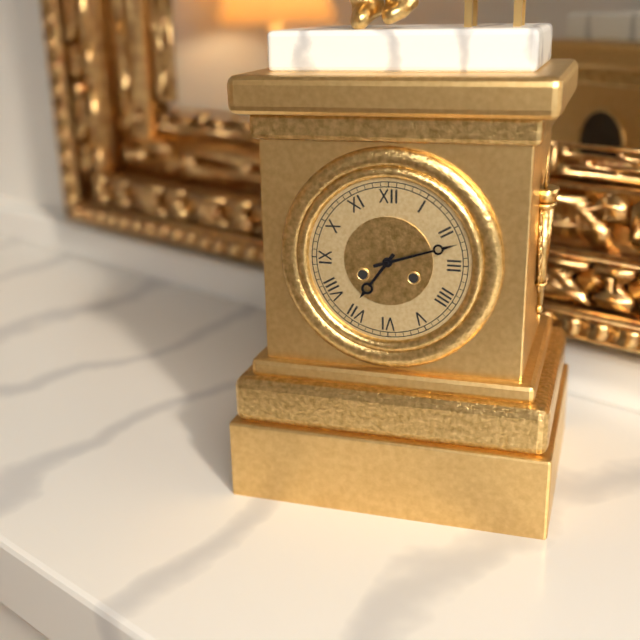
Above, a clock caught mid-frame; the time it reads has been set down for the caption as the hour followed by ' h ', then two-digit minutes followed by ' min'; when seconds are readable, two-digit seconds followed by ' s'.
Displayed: 7 h 12 min
